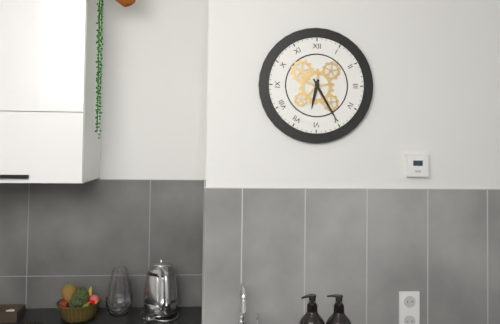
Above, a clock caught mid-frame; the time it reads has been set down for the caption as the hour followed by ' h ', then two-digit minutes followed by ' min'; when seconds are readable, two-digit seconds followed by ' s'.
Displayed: 6 h 25 min
